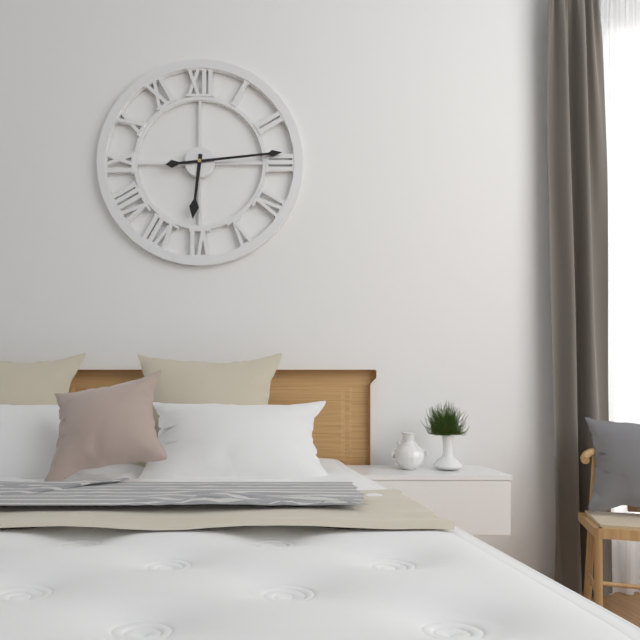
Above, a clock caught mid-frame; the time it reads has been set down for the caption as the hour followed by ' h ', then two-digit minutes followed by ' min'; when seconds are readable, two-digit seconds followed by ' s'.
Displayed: 6 h 14 min
